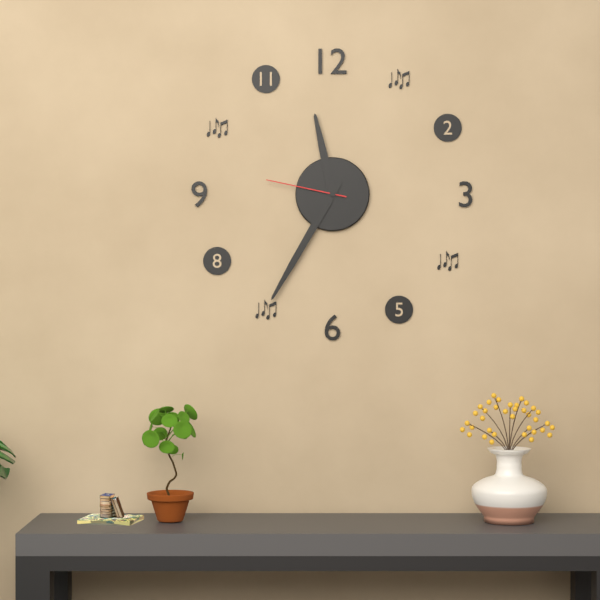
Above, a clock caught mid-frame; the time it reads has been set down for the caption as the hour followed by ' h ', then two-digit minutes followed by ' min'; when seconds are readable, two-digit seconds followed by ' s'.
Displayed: 11 h 35 min 47 s
